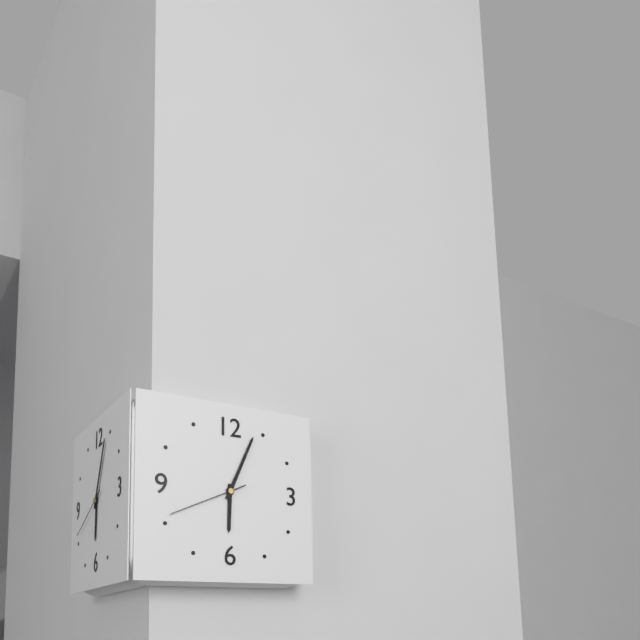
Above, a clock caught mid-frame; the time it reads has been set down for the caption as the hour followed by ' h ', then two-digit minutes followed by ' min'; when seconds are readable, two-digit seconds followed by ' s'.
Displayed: 6 h 04 min 41 s
